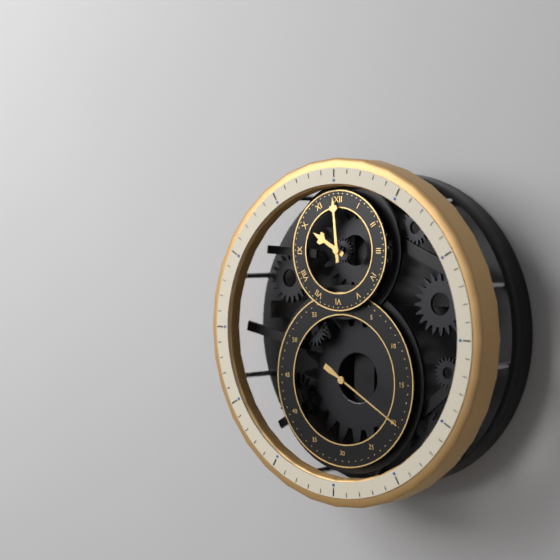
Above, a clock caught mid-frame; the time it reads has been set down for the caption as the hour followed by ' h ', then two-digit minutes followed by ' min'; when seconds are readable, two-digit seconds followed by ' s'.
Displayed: 9 h 59 min 20 s
